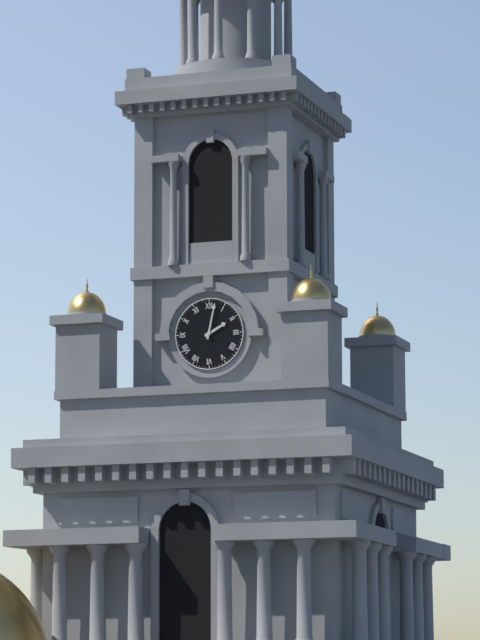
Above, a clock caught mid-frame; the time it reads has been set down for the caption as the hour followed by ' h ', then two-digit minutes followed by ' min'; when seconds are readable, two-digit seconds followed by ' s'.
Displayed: 2 h 02 min
